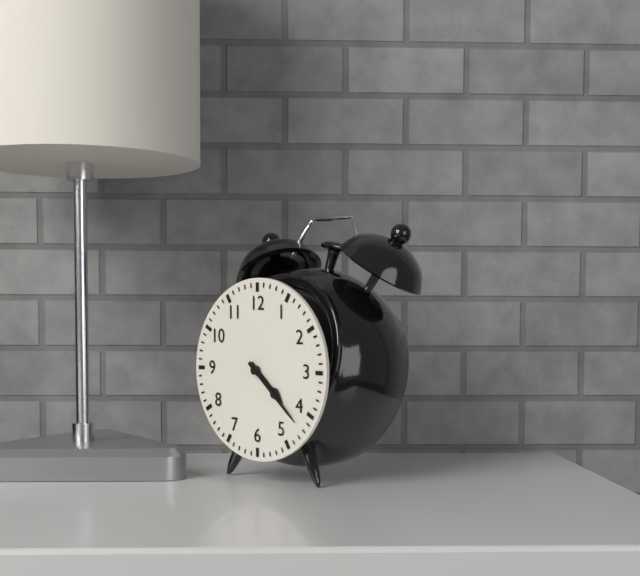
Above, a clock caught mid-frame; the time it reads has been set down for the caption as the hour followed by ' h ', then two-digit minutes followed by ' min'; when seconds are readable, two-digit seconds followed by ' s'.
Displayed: 4 h 22 min
